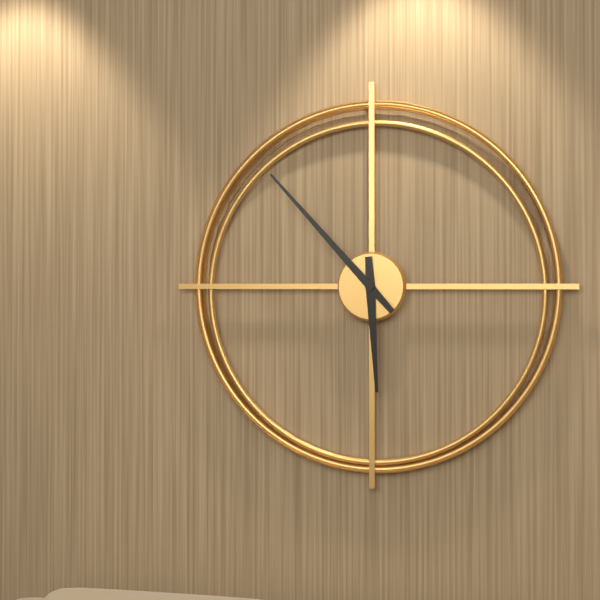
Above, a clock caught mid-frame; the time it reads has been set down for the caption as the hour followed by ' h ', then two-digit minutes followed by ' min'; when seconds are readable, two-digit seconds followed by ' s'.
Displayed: 5 h 53 min
